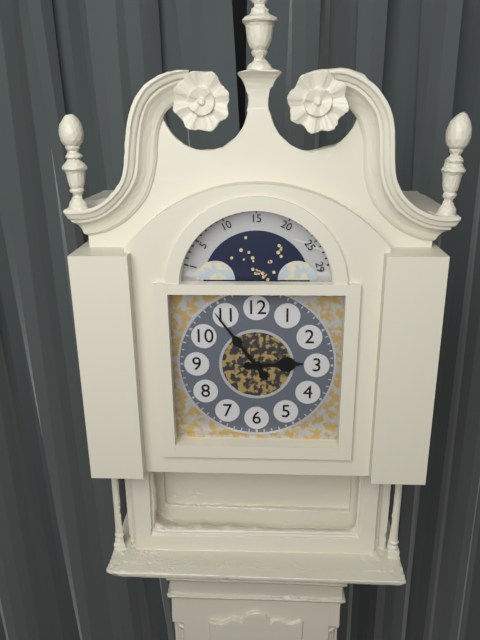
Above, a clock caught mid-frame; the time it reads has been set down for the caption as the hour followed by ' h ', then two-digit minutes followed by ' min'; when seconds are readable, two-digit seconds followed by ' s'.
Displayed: 2 h 54 min
